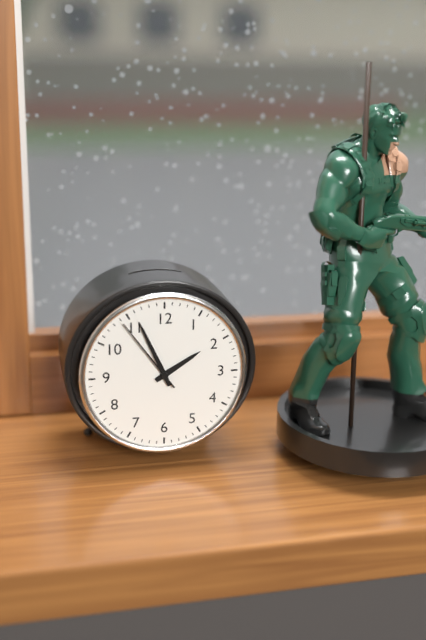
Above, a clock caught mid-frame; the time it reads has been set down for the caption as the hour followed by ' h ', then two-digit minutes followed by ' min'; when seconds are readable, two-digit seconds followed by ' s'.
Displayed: 1 h 56 min 54 s
